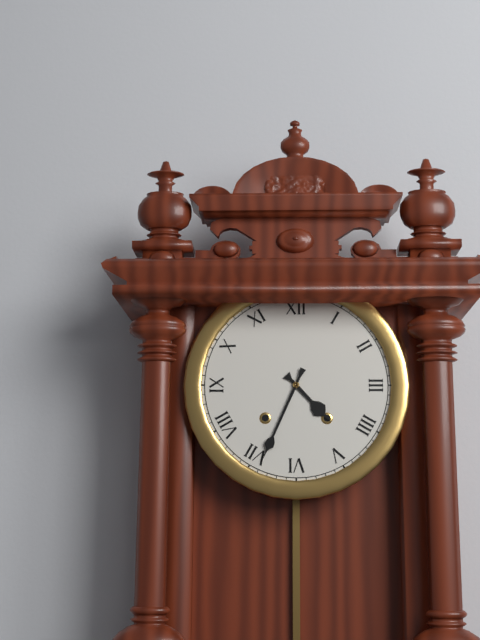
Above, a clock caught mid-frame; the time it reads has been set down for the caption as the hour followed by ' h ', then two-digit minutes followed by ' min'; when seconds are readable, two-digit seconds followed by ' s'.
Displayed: 4 h 34 min
